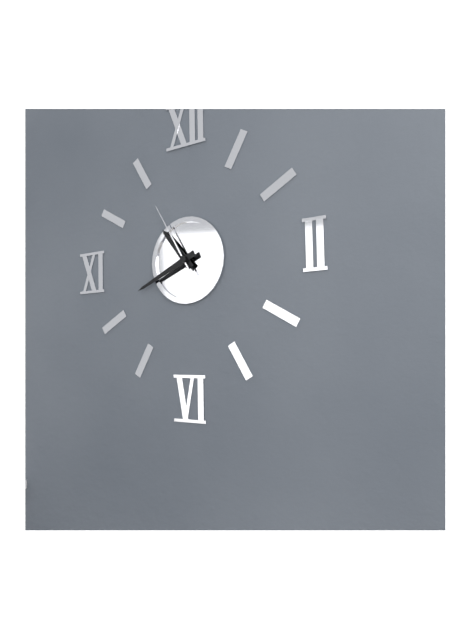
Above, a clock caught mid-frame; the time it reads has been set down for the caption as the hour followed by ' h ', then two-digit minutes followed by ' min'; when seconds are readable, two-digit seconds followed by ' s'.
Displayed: 10 h 41 min 55 s
